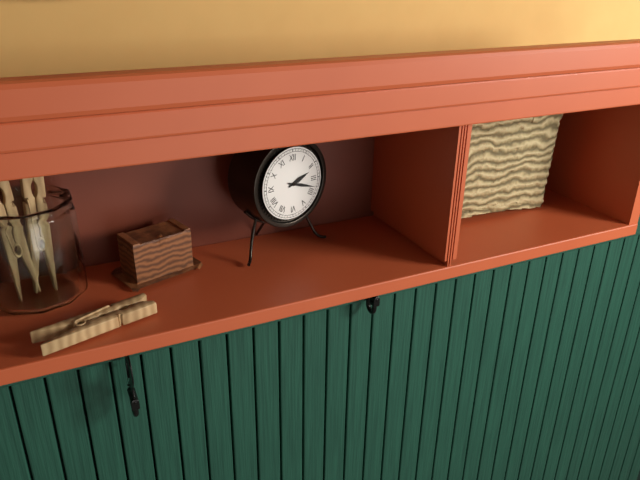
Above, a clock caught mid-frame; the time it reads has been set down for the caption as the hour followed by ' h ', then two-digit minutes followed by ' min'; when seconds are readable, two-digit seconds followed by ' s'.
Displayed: 2 h 18 min
